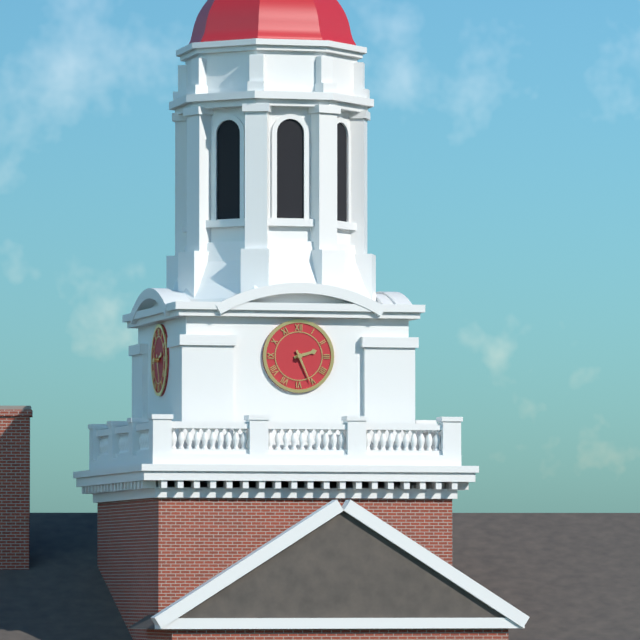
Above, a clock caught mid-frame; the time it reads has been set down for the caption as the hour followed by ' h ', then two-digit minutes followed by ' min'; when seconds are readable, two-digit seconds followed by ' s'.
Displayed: 2 h 26 min
